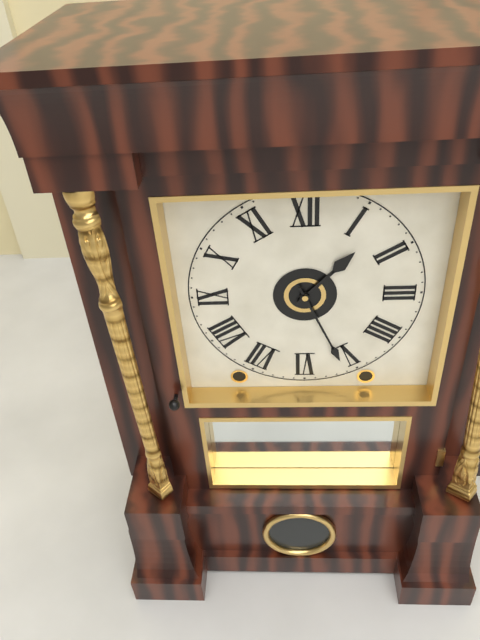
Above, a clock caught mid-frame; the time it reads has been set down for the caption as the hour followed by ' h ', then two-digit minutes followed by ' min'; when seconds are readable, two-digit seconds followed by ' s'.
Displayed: 1 h 26 min
